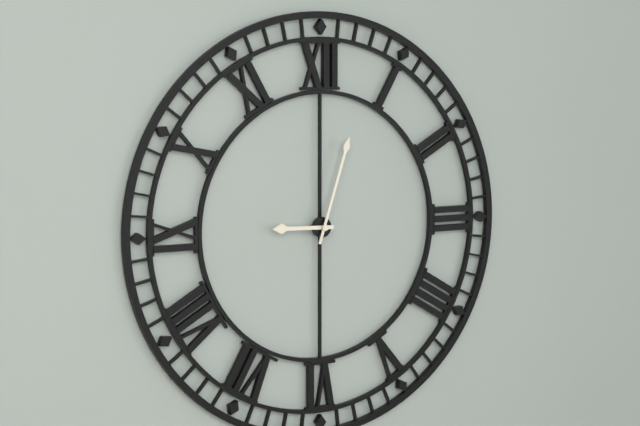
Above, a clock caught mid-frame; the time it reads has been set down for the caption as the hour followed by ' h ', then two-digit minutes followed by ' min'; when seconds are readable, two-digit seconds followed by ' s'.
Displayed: 9 h 03 min
